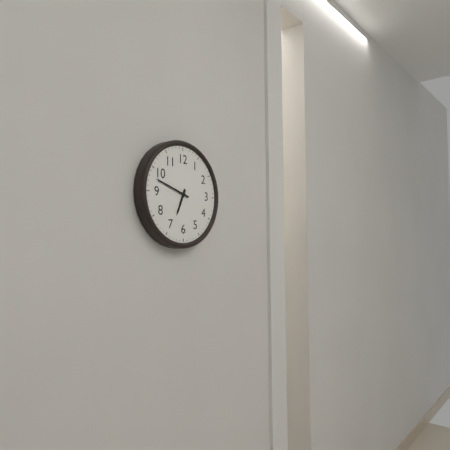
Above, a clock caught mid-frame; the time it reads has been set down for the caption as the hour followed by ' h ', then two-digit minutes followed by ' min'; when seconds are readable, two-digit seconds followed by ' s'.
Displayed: 6 h 48 min
